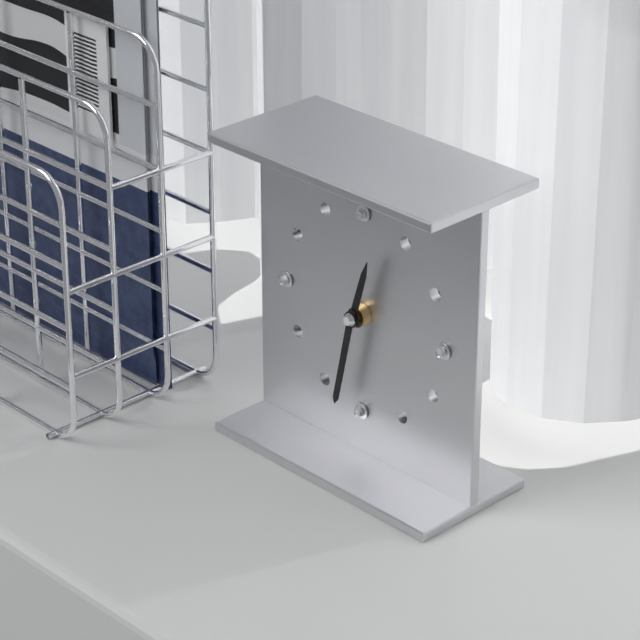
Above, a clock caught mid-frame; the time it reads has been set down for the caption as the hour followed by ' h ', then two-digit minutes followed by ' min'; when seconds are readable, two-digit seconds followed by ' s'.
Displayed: 12 h 32 min
